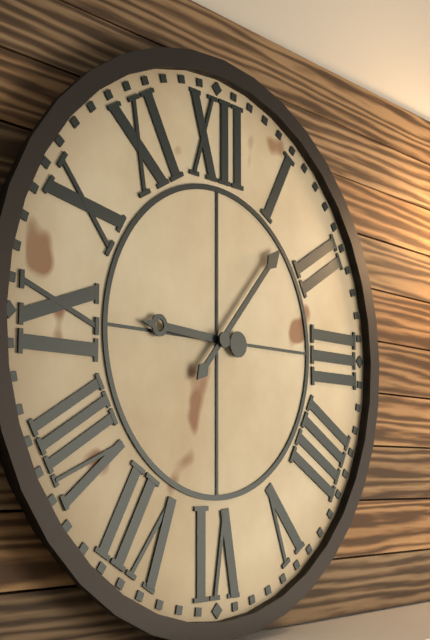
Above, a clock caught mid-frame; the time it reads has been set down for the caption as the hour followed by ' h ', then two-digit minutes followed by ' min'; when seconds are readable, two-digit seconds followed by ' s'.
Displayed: 9 h 07 min
